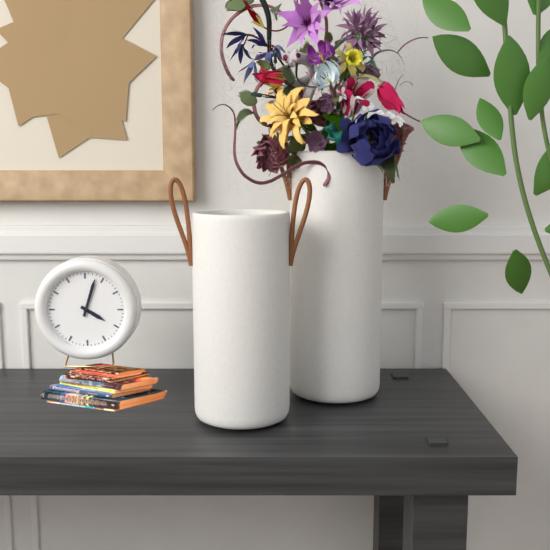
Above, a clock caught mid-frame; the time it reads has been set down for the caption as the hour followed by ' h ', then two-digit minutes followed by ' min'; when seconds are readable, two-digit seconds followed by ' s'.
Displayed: 4 h 03 min
